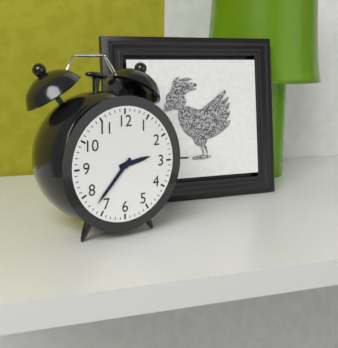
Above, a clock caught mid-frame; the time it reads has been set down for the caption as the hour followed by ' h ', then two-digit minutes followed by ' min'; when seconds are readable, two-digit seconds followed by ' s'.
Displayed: 2 h 37 min
